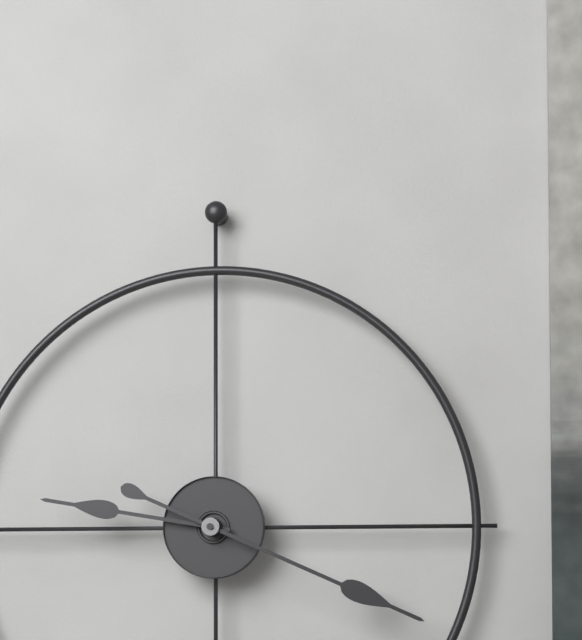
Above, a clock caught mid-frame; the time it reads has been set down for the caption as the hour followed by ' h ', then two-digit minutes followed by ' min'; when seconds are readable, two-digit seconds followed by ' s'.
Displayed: 9 h 19 min
